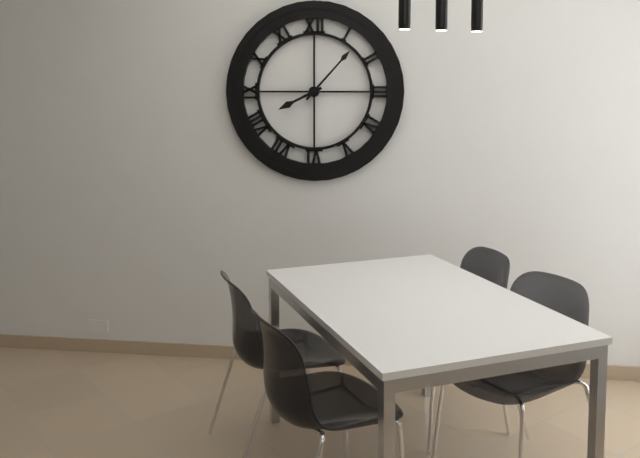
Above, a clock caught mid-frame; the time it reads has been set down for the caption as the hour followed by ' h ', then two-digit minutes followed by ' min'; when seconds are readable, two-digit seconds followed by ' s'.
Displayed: 8 h 07 min
